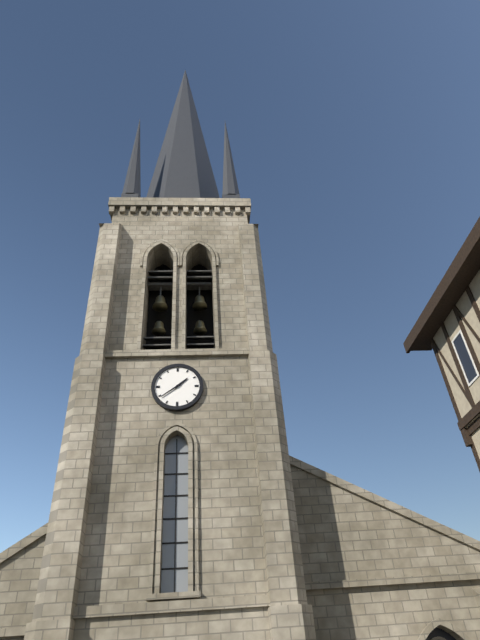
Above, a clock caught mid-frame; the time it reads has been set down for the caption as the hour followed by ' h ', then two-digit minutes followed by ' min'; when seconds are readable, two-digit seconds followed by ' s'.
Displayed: 1 h 39 min
